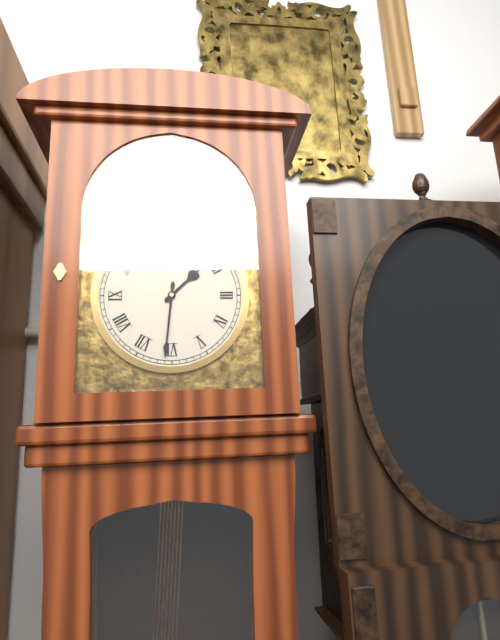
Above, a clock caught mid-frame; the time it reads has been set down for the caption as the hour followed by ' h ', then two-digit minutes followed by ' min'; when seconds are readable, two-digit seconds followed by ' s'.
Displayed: 1 h 31 min
